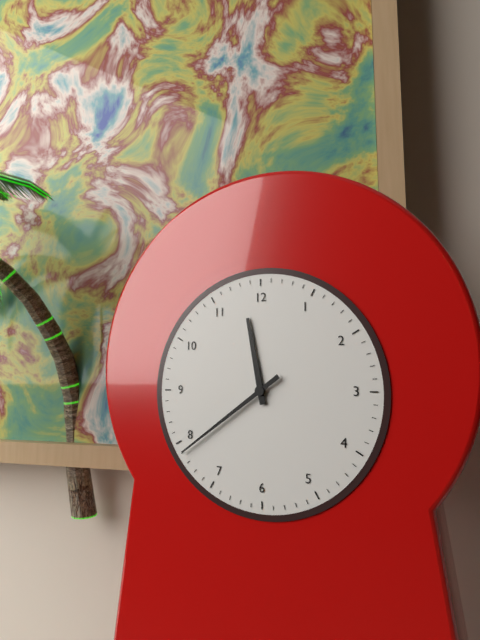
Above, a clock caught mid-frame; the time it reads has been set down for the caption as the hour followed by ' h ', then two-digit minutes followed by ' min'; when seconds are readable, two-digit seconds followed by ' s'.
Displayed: 11 h 39 min
